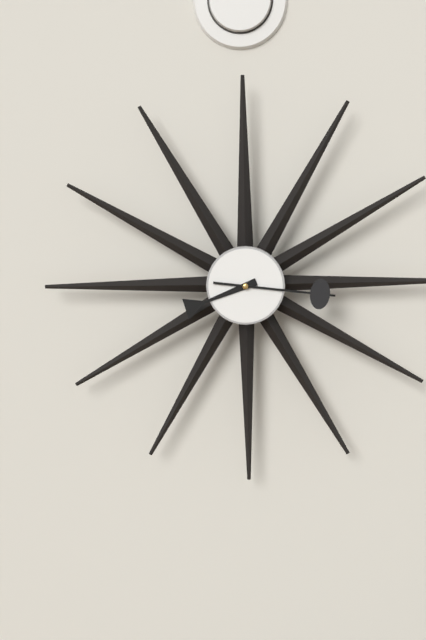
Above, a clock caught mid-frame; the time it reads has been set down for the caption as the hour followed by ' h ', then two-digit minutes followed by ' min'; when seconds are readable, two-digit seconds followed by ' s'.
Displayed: 8 h 16 min
